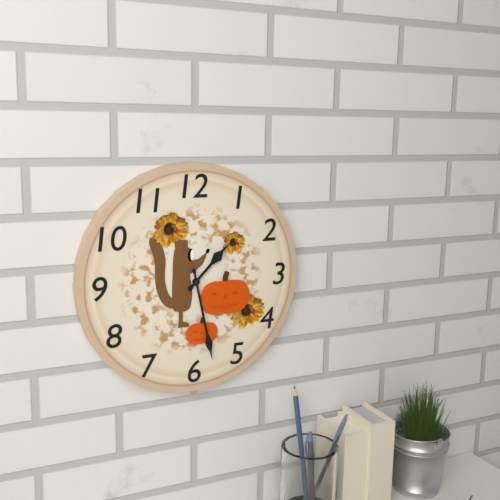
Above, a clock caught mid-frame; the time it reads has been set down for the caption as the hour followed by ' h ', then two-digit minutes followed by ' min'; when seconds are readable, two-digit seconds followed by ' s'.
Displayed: 1 h 28 min
